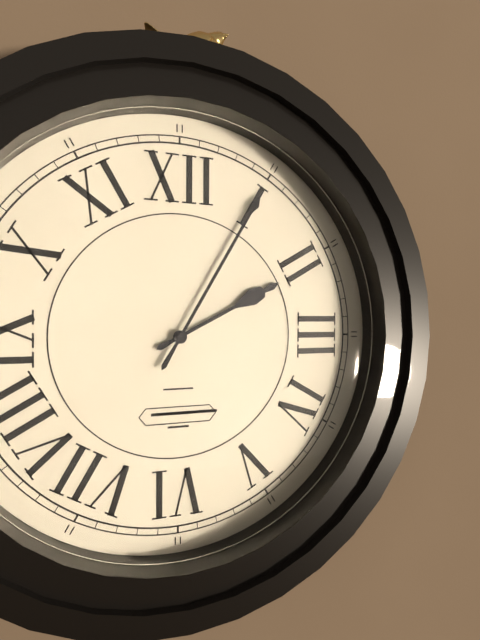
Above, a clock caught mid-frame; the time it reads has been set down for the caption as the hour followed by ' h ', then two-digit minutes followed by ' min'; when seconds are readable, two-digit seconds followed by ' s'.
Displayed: 2 h 05 min
